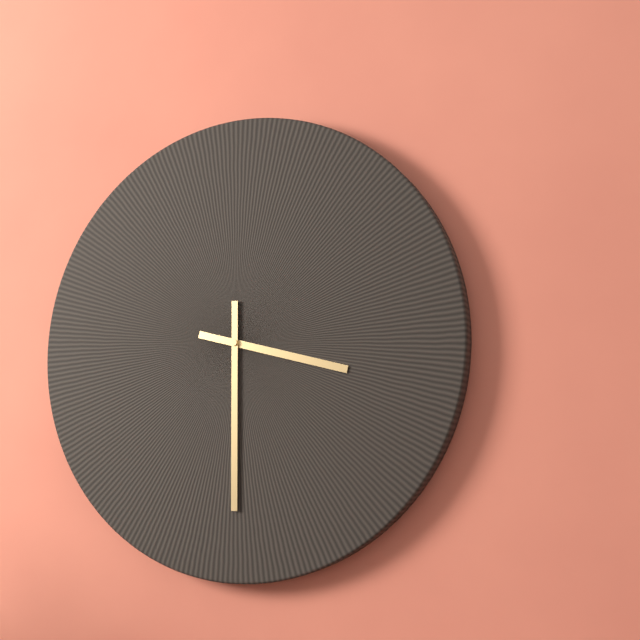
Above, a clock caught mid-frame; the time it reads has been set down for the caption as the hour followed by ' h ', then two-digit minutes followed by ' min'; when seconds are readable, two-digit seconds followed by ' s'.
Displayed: 3 h 30 min
